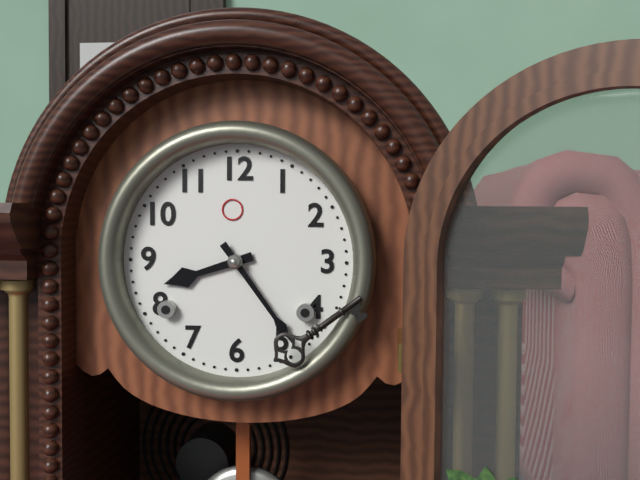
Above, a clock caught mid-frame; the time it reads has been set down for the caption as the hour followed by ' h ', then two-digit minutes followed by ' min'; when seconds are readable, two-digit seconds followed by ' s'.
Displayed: 8 h 24 min
